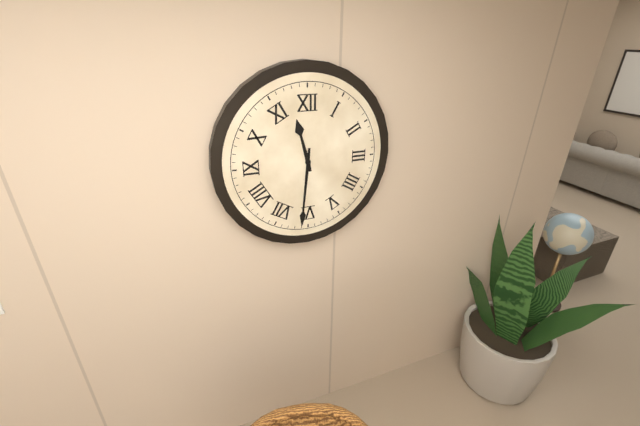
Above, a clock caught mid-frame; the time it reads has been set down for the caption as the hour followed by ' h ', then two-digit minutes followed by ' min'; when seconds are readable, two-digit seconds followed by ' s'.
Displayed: 11 h 31 min
